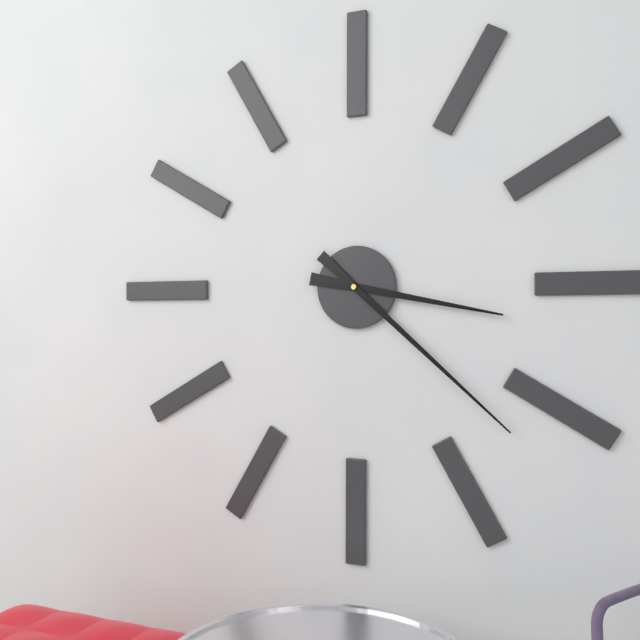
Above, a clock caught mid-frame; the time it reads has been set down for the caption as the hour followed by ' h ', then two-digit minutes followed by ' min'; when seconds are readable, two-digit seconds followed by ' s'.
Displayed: 3 h 22 min
